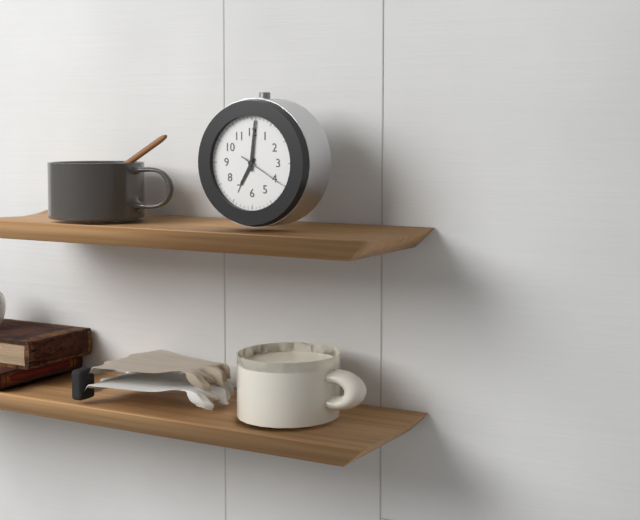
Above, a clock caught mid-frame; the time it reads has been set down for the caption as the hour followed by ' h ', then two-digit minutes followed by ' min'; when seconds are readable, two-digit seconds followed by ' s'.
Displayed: 7 h 01 min
